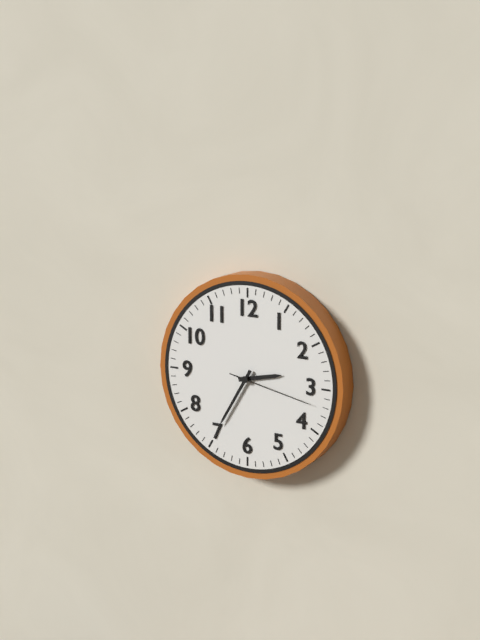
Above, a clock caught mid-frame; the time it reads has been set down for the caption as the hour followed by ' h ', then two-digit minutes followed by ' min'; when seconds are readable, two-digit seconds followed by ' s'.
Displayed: 2 h 35 min 17 s
